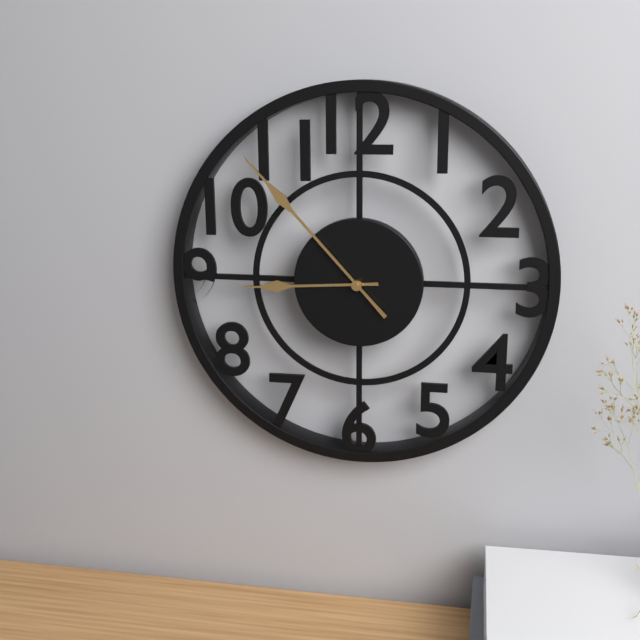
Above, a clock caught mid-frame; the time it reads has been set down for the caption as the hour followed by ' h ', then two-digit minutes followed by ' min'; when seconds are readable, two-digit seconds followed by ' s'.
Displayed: 8 h 53 min
